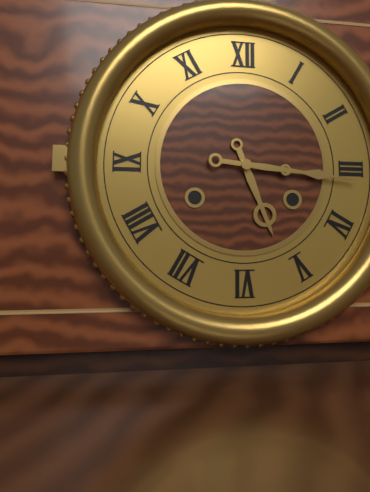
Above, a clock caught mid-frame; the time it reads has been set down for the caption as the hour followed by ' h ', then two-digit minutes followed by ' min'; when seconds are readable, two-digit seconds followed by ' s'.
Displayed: 5 h 16 min
